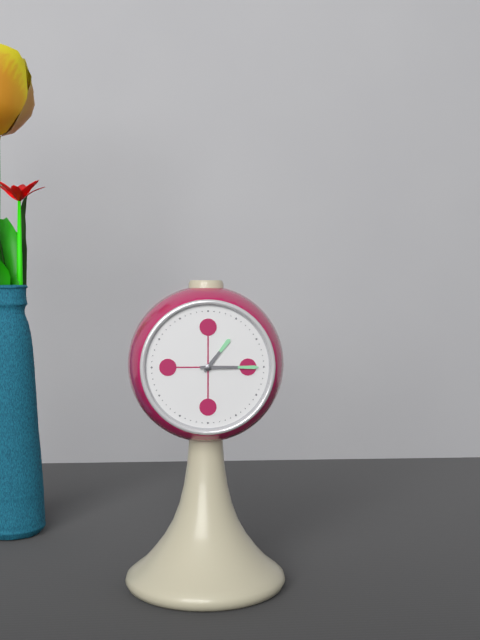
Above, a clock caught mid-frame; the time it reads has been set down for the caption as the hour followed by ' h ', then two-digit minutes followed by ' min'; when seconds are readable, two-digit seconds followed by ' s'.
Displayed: 1 h 15 min
